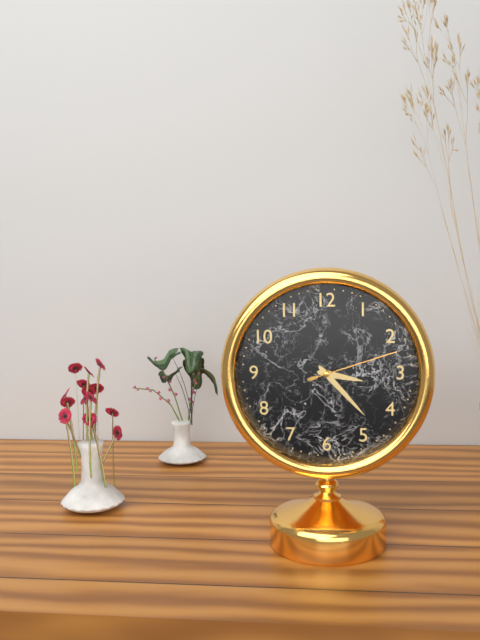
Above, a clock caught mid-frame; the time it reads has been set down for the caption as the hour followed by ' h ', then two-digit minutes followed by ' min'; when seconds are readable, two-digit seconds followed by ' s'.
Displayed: 3 h 23 min 12 s
